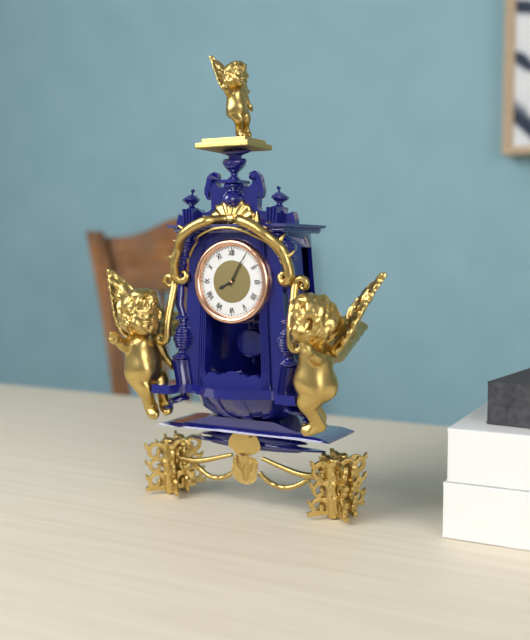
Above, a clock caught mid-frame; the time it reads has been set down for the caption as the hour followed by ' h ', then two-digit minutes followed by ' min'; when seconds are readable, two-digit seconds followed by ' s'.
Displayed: 8 h 05 min
